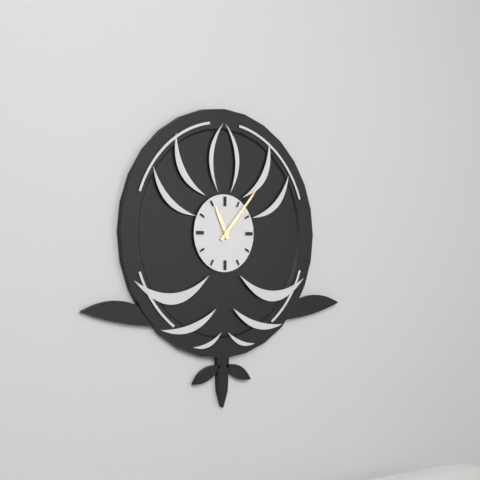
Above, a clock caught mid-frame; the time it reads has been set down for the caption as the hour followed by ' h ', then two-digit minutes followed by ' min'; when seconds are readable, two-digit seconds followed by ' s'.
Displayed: 11 h 07 min
